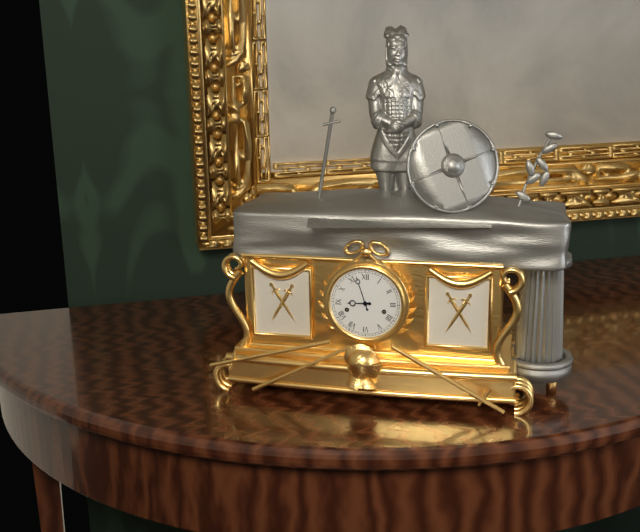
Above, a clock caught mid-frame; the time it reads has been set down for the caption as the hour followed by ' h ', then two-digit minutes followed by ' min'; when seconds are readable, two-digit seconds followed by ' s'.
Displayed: 8 h 57 min
